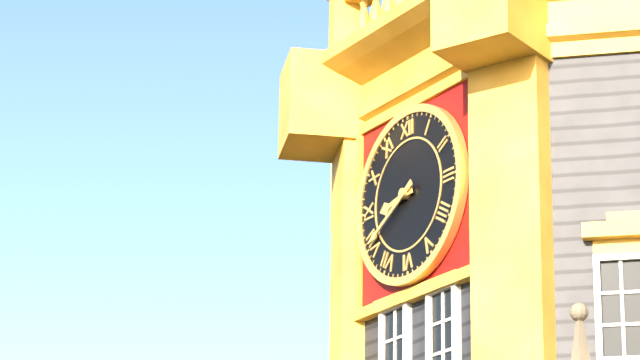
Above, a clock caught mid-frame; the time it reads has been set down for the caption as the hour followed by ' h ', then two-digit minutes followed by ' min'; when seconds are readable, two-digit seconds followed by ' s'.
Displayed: 8 h 40 min
